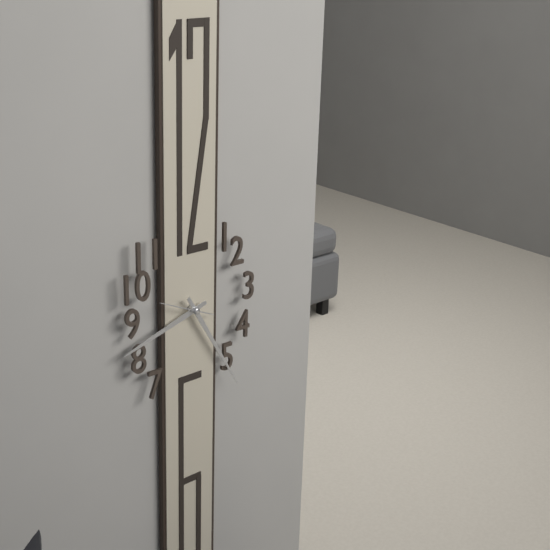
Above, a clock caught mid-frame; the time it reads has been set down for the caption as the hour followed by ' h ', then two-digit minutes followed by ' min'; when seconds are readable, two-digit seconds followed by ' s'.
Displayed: 8 h 25 min
